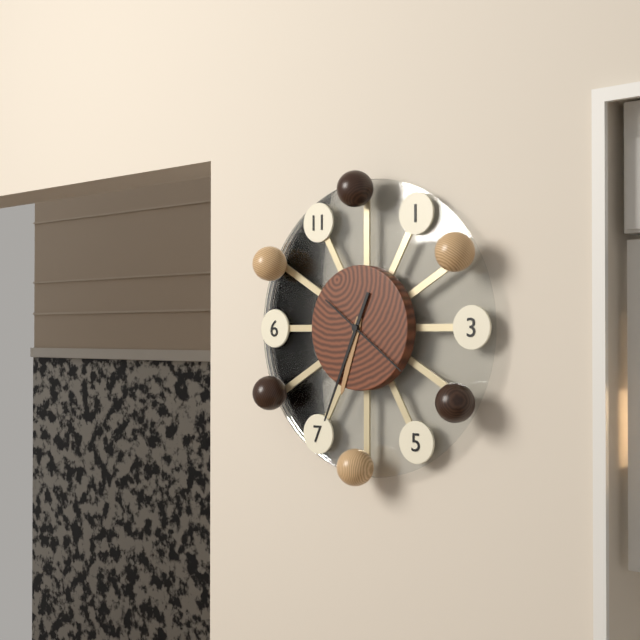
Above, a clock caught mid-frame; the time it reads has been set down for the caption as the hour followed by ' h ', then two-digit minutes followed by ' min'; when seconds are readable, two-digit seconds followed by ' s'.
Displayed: 6 h 34 min 21 s
